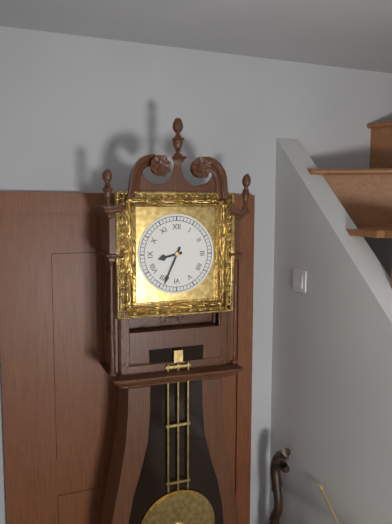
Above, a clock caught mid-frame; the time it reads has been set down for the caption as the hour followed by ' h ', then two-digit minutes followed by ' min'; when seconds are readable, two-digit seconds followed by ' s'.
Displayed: 8 h 34 min
